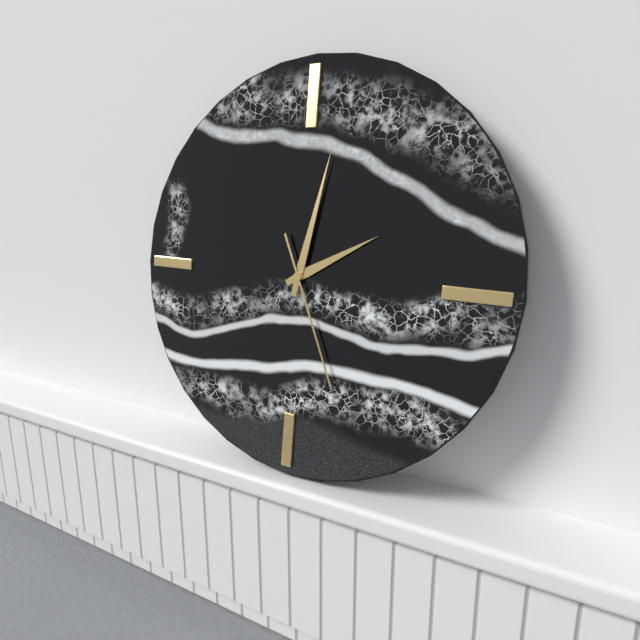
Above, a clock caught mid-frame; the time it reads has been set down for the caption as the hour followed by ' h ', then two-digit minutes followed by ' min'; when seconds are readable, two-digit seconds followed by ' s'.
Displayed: 2 h 02 min 26 s
